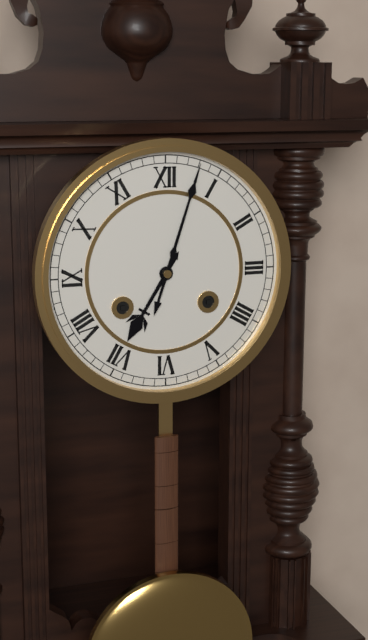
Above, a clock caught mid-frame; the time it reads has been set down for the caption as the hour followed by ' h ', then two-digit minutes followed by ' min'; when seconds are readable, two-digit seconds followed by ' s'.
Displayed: 7 h 03 min
